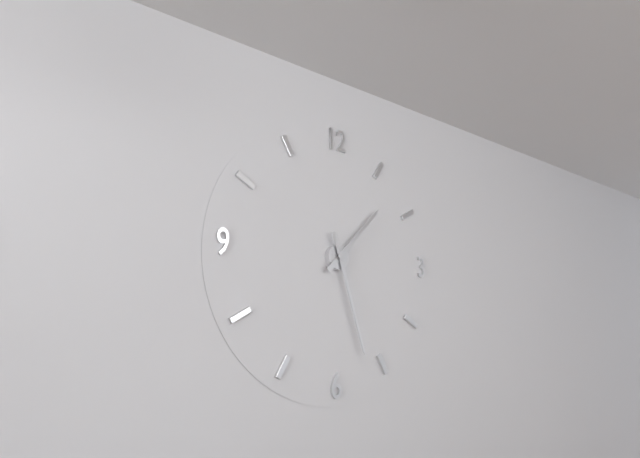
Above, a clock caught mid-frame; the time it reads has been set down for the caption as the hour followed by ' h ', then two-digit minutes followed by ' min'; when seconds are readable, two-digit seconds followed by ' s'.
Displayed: 1 h 27 min
